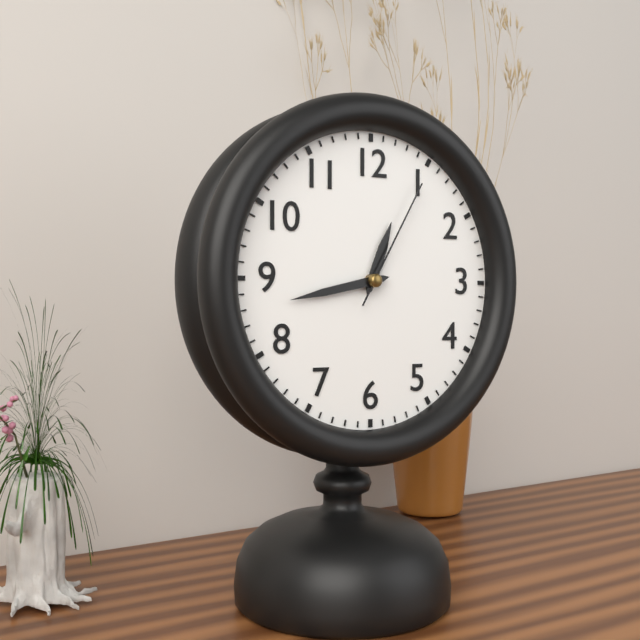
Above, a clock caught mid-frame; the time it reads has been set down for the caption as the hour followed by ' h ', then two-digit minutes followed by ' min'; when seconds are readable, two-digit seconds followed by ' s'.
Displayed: 12 h 43 min 05 s
